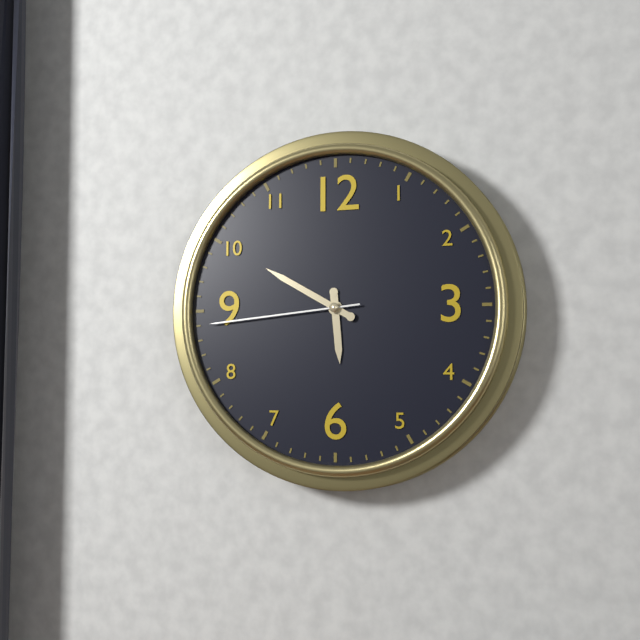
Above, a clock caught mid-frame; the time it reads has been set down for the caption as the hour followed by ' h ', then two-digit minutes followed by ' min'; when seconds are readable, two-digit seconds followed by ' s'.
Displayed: 5 h 50 min 44 s
